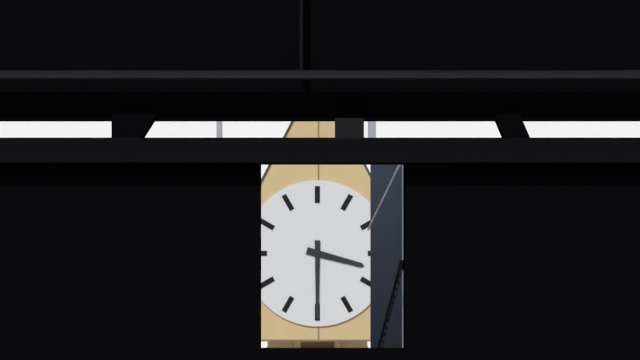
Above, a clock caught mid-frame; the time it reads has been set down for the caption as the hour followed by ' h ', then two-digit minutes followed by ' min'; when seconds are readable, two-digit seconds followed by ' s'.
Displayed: 3 h 30 min
